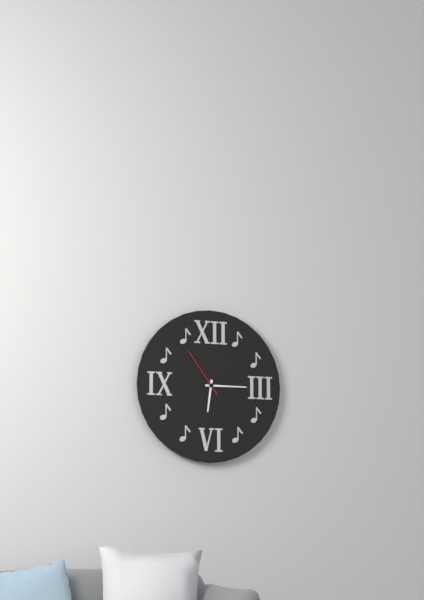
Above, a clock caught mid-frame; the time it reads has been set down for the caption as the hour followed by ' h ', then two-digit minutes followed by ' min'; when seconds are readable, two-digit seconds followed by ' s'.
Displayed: 6 h 15 min 54 s
